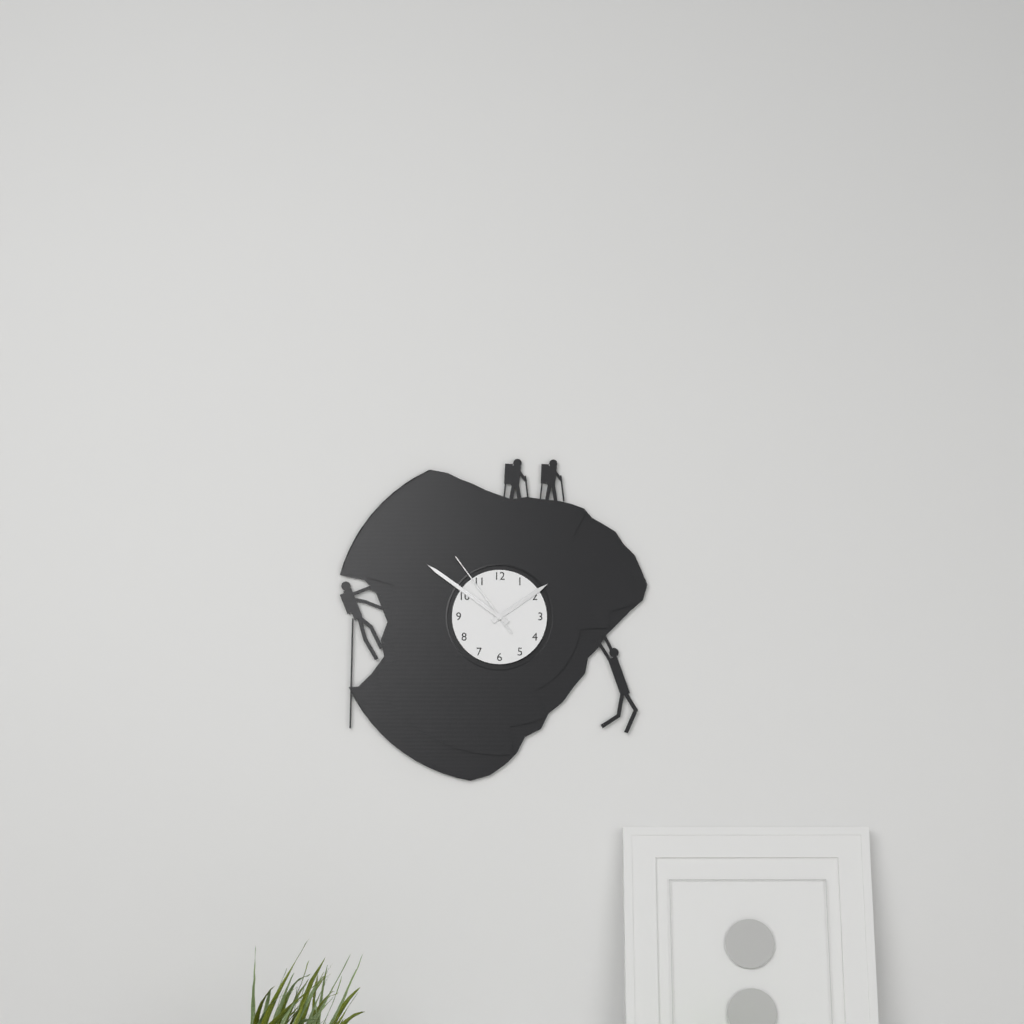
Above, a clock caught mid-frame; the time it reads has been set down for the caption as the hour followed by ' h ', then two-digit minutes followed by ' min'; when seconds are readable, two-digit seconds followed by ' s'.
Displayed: 1 h 51 min 54 s
